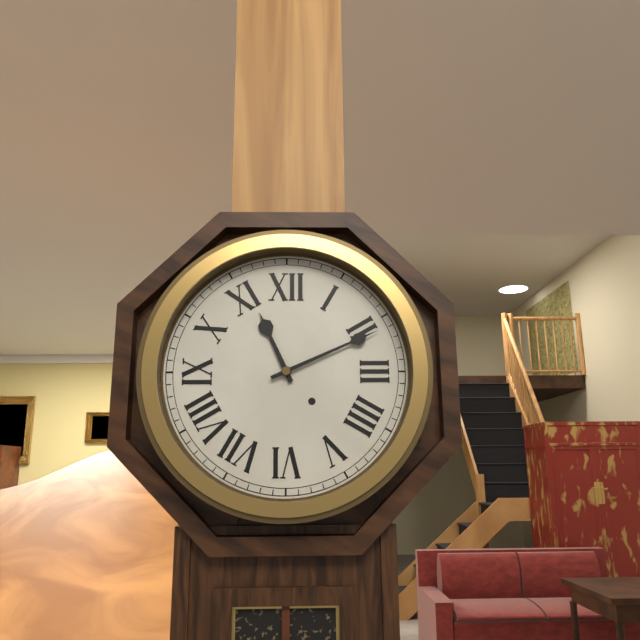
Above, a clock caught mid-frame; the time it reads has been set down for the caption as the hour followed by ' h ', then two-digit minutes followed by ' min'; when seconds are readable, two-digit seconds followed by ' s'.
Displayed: 11 h 11 min
